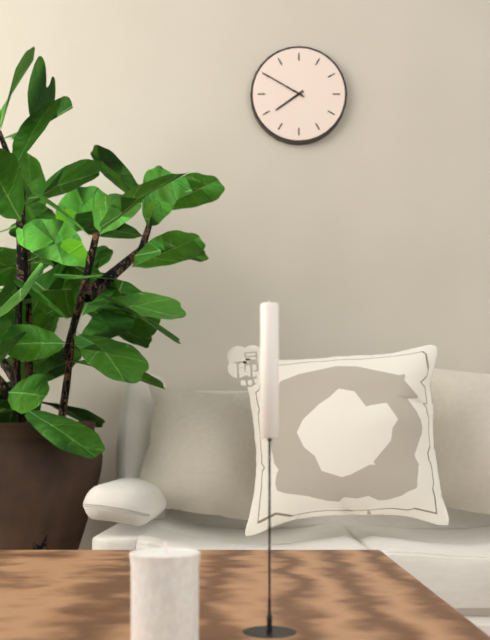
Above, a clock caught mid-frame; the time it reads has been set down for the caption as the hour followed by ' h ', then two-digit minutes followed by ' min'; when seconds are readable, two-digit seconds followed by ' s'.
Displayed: 7 h 50 min
